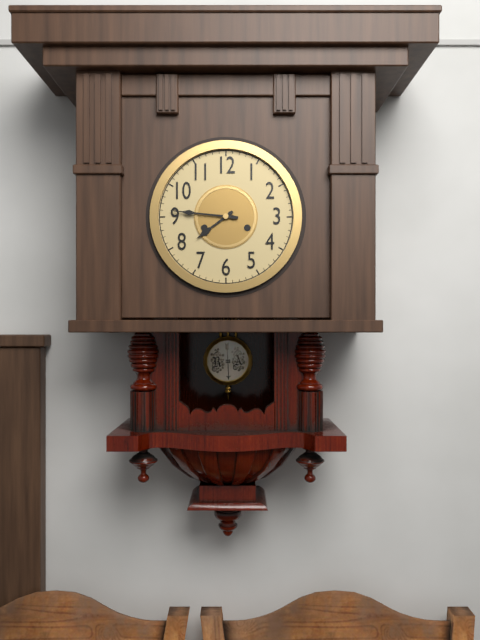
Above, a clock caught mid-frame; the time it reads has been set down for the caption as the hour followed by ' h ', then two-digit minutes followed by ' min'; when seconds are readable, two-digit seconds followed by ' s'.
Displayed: 7 h 46 min
